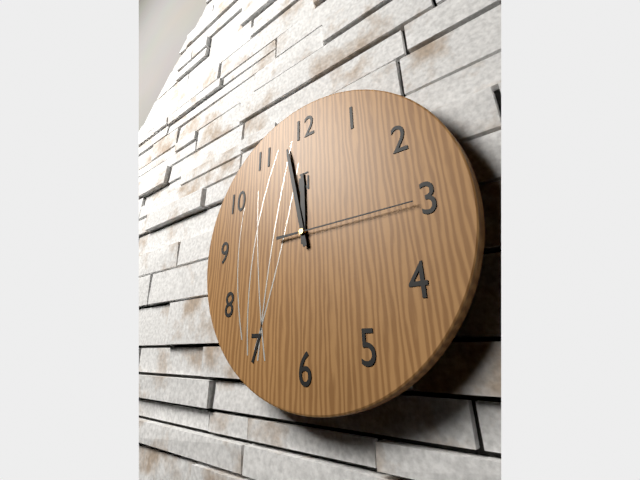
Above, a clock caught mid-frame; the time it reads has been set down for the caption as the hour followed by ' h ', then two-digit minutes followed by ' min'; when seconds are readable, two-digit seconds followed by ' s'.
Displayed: 11 h 58 min 15 s
